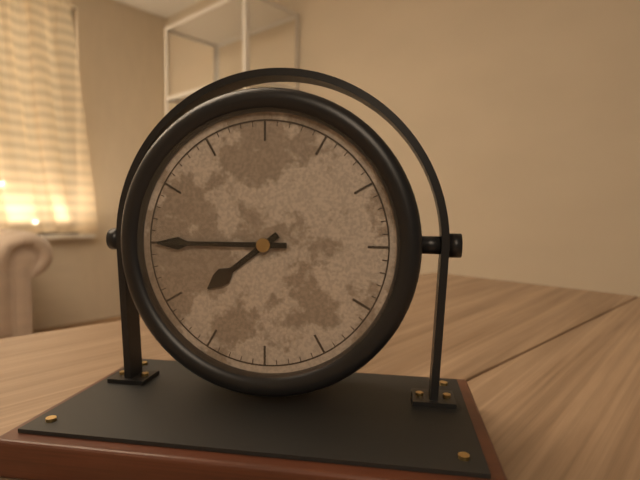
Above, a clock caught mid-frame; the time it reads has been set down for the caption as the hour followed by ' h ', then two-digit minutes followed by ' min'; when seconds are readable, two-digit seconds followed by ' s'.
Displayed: 7 h 45 min
